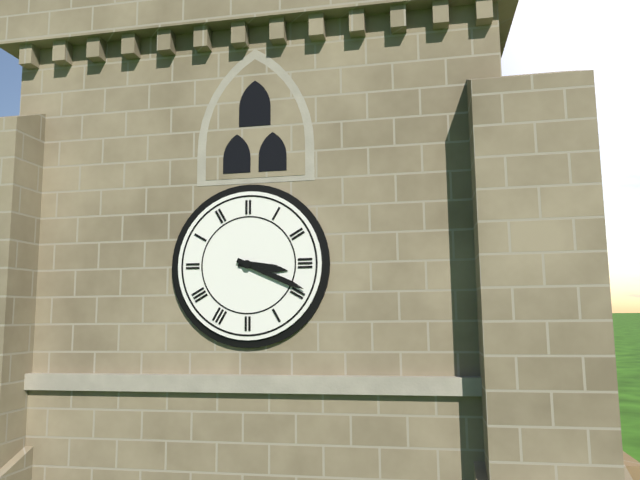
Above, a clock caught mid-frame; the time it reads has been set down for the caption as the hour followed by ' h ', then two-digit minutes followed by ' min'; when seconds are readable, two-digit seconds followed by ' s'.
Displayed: 3 h 19 min
